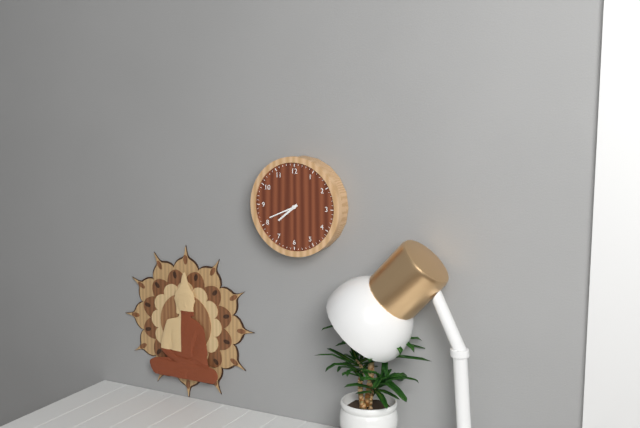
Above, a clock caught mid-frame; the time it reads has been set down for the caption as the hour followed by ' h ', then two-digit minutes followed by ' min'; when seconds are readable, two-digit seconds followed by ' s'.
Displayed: 7 h 41 min
